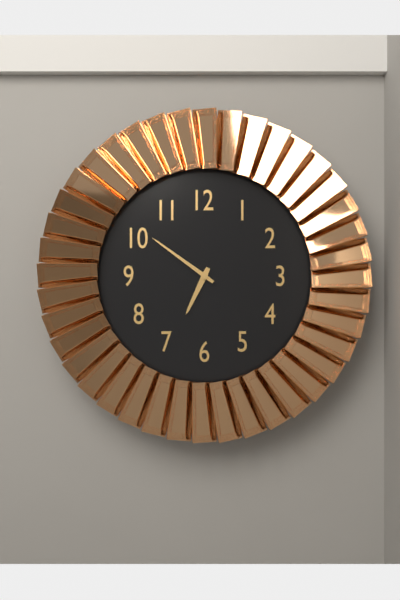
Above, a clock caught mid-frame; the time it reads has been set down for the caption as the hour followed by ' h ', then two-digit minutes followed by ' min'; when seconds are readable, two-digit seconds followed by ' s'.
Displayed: 6 h 51 min
